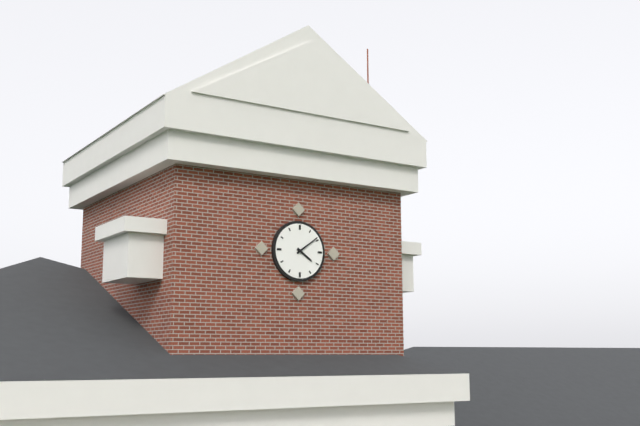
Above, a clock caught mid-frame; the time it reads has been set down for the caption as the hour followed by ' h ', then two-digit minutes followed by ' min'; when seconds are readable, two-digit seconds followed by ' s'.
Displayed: 4 h 09 min
